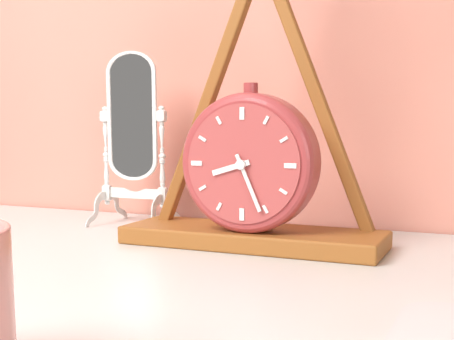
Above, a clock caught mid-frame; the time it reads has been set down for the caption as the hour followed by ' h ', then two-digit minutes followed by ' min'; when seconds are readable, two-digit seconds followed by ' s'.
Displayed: 8 h 26 min
